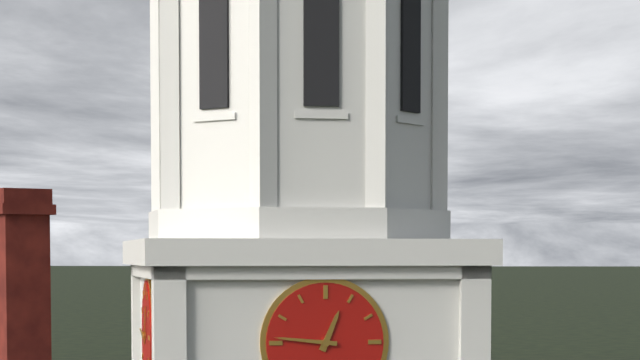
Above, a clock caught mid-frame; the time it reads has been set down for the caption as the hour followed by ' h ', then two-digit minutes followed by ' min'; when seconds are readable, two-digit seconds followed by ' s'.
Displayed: 12 h 46 min
